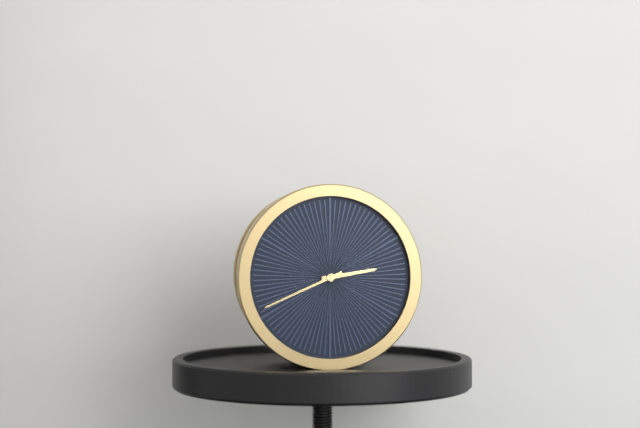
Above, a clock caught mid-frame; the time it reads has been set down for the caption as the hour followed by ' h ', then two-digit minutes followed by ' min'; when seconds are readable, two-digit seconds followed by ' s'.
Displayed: 2 h 41 min
